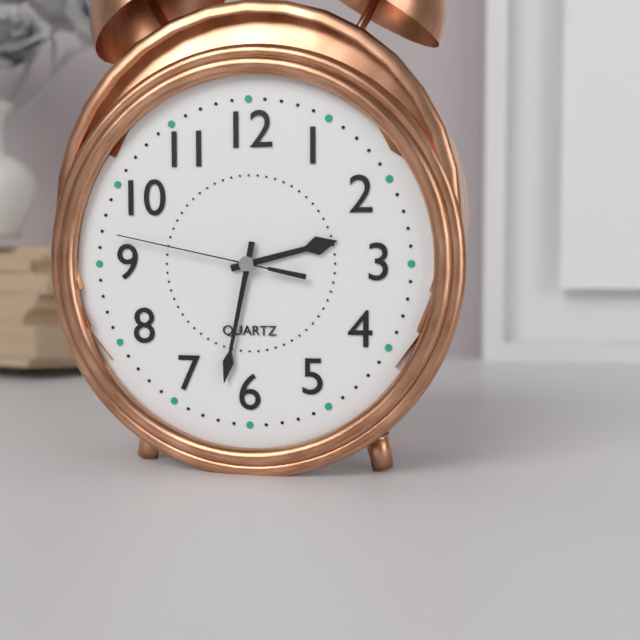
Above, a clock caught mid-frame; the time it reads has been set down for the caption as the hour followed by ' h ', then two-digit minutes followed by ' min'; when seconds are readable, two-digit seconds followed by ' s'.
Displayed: 2 h 32 min 47 s
